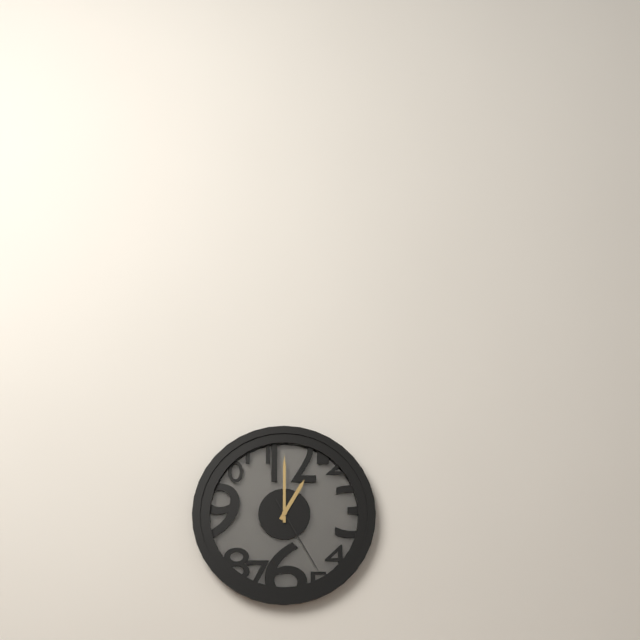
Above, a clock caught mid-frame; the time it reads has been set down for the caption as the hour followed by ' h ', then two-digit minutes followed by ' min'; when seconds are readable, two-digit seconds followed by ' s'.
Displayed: 1 h 00 min 25 s
